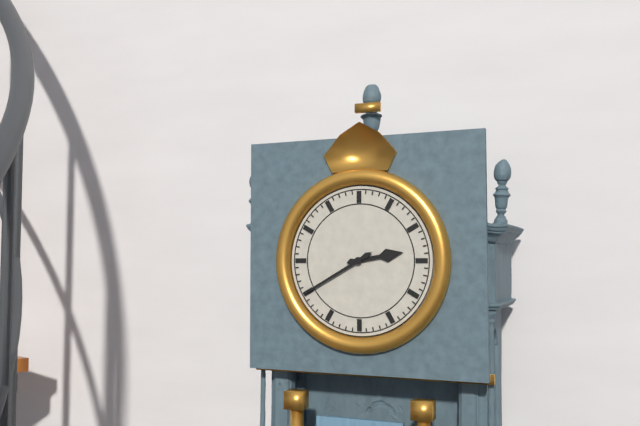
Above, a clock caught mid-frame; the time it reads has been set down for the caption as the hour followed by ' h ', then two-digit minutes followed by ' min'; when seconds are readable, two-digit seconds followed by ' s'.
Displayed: 2 h 40 min
